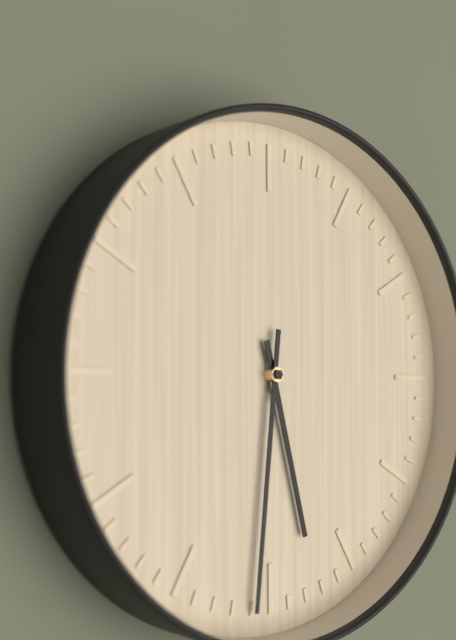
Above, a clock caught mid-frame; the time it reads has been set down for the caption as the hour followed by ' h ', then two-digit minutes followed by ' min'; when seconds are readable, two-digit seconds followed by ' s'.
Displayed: 5 h 31 min
